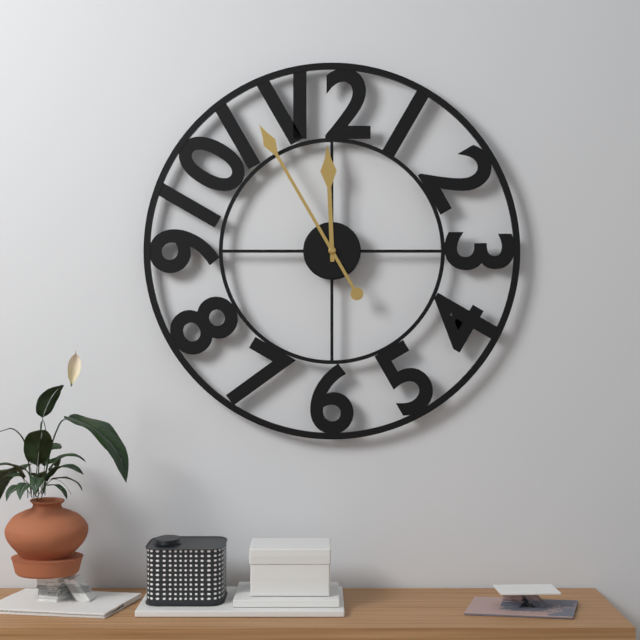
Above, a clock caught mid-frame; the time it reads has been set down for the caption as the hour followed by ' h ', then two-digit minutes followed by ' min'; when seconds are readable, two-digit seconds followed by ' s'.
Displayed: 11 h 55 min
